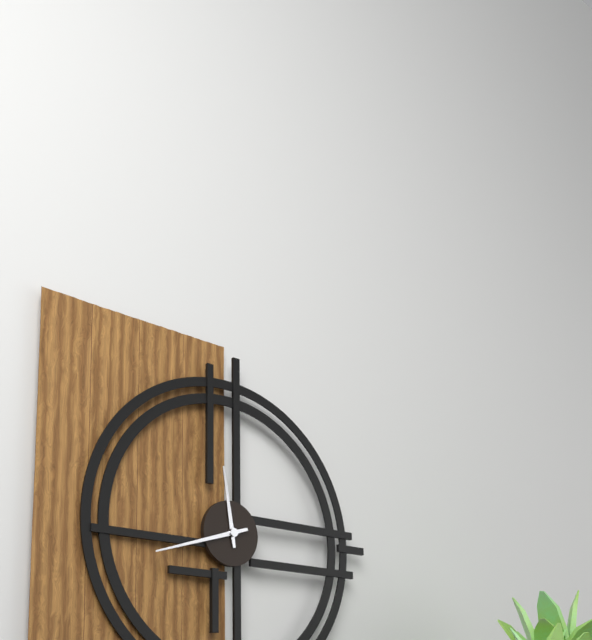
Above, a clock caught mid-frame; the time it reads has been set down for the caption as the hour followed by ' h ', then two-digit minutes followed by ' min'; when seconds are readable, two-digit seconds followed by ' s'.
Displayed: 11 h 42 min
